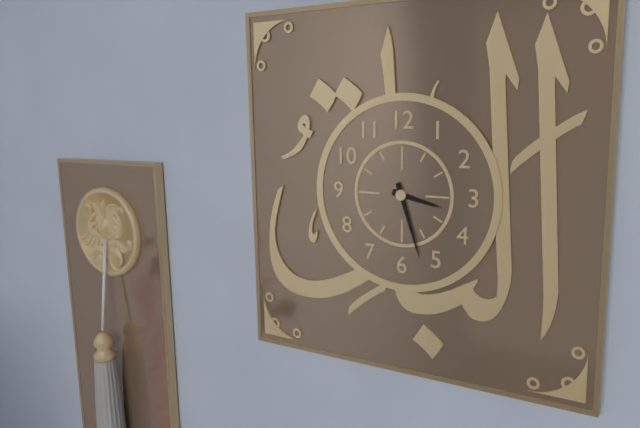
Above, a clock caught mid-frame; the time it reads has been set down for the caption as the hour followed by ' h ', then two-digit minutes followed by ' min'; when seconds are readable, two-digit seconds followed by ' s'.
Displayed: 3 h 27 min
